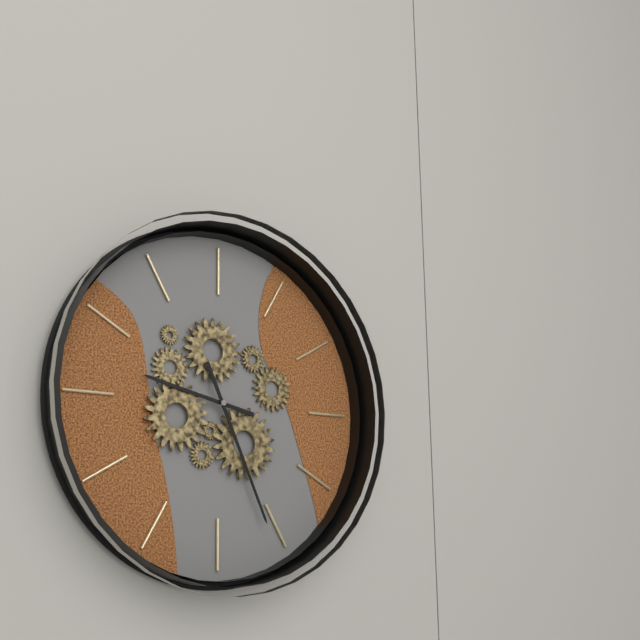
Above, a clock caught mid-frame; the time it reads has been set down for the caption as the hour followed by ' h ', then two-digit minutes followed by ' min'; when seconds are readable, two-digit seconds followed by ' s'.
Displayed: 9 h 26 min
